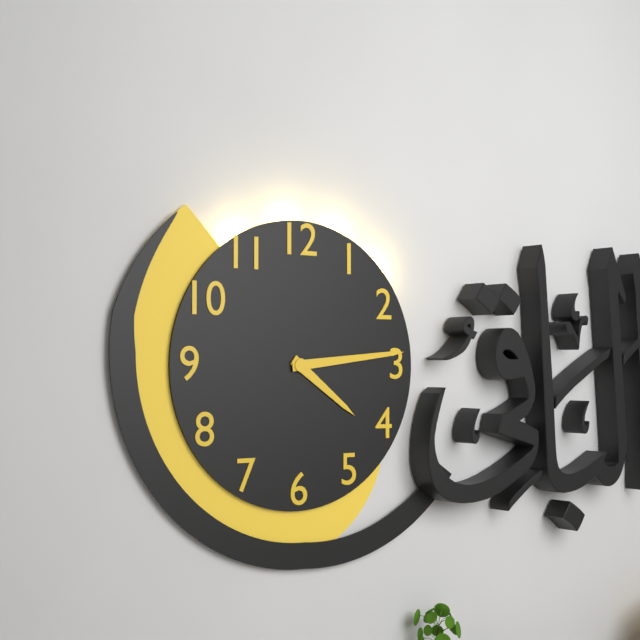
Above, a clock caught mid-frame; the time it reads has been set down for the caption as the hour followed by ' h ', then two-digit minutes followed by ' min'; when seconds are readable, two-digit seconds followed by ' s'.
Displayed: 4 h 14 min
